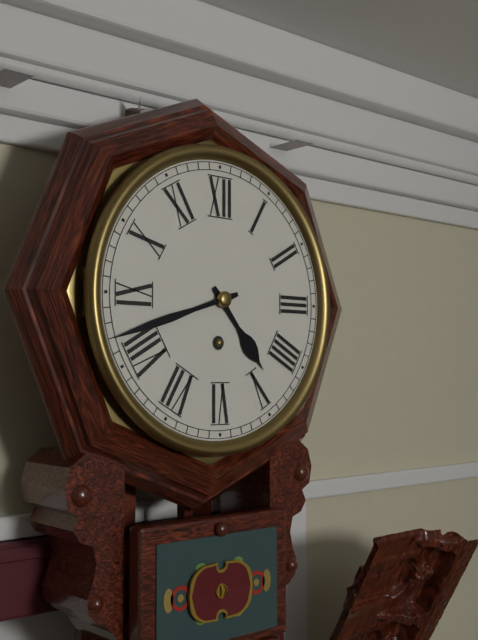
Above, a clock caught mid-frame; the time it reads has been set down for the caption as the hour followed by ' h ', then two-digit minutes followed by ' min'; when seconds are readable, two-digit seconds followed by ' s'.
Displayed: 4 h 42 min
